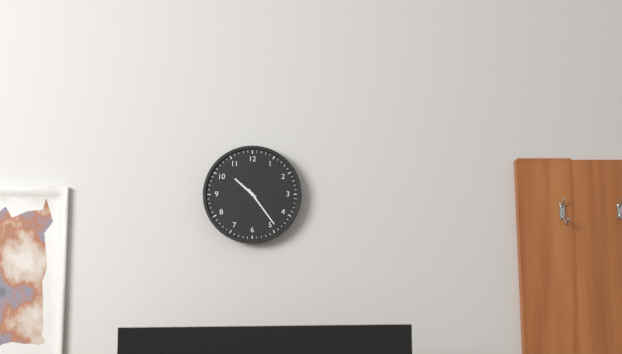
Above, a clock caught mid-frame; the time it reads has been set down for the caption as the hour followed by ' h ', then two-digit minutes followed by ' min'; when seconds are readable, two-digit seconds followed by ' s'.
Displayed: 10 h 24 min
